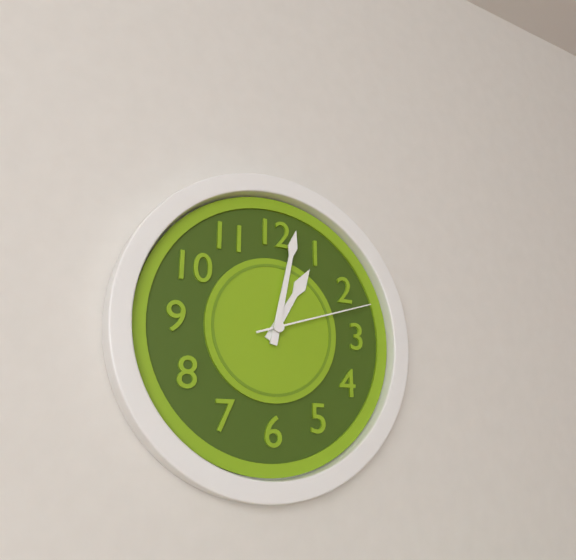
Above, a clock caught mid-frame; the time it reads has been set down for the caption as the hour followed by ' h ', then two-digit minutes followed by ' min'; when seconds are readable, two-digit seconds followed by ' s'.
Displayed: 1 h 02 min 12 s
